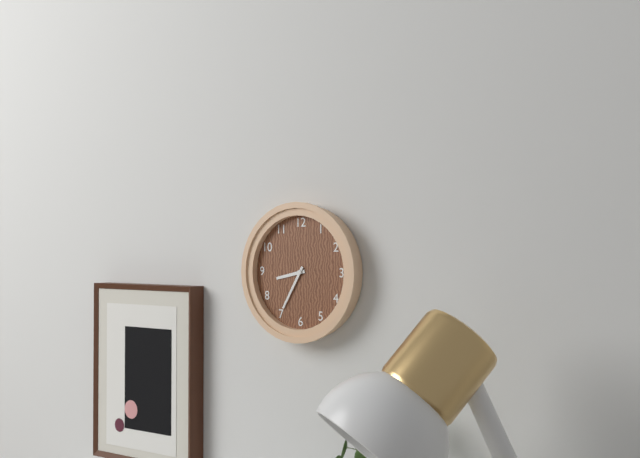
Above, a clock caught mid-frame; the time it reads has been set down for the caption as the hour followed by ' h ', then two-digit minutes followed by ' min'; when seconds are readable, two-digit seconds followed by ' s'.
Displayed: 8 h 35 min
